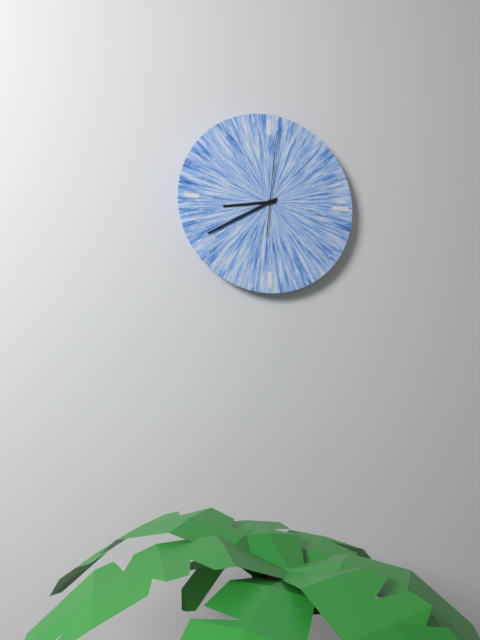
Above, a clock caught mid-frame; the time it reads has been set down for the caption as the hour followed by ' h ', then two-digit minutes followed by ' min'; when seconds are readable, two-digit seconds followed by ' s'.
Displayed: 8 h 40 min 01 s
